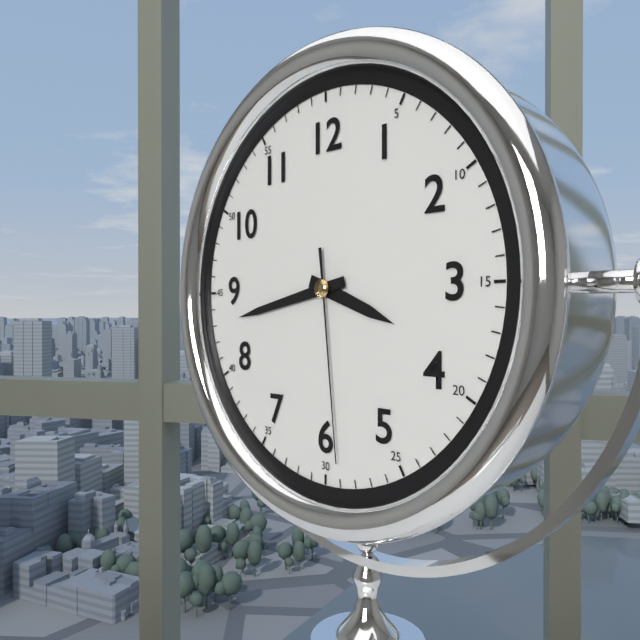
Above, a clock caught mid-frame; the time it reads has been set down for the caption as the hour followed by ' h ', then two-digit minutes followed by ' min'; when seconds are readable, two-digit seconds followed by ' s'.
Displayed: 3 h 43 min 29 s
